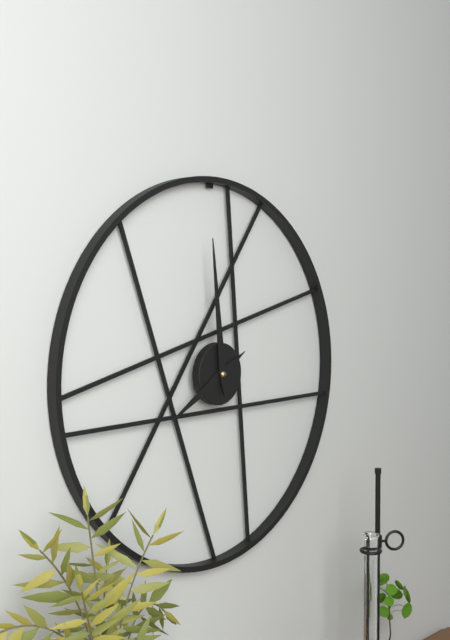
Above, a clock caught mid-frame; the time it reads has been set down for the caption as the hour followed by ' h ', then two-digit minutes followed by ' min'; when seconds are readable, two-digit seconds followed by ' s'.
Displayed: 7 h 59 min
